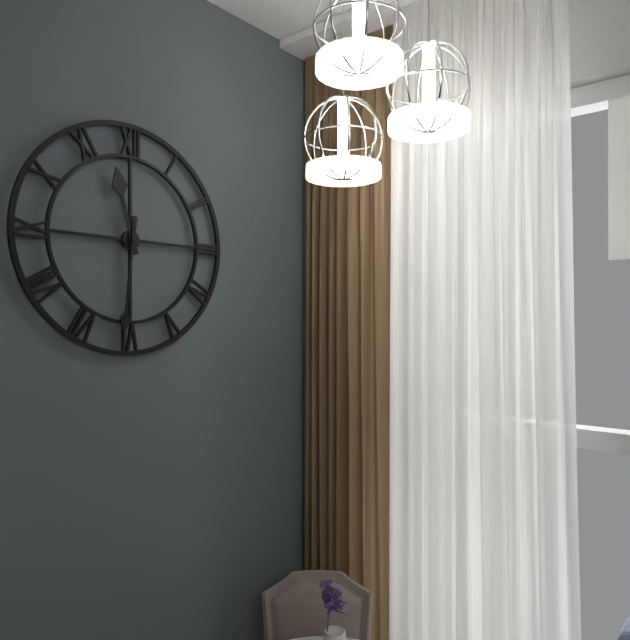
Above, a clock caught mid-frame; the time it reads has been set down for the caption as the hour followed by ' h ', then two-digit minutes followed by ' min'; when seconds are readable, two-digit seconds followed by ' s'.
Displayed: 11 h 31 min
